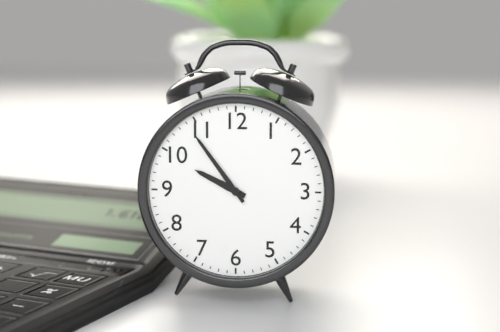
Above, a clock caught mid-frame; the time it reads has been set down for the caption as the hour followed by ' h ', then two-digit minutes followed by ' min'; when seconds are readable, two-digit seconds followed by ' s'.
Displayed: 9 h 54 min
